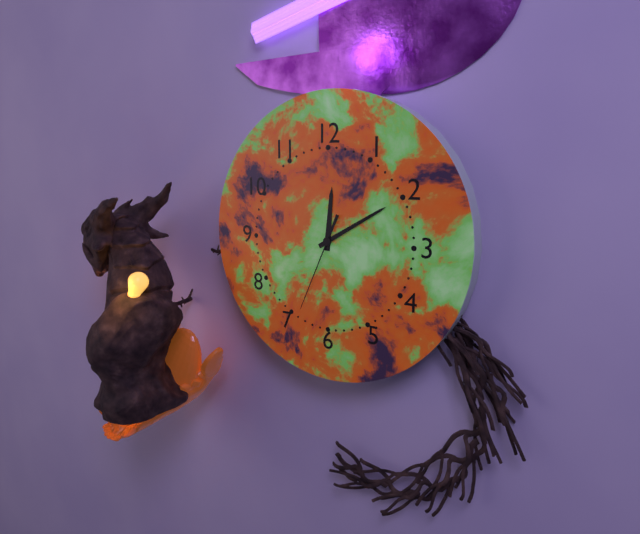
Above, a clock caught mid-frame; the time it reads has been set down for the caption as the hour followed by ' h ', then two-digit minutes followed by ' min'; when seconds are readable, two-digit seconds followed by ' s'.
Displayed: 12 h 10 min 34 s
